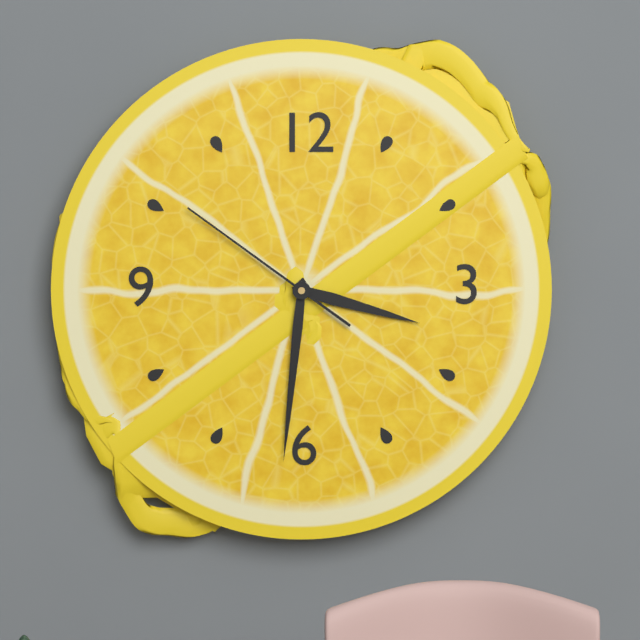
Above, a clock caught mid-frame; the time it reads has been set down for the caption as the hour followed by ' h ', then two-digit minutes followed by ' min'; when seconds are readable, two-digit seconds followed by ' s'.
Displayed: 3 h 31 min 51 s
